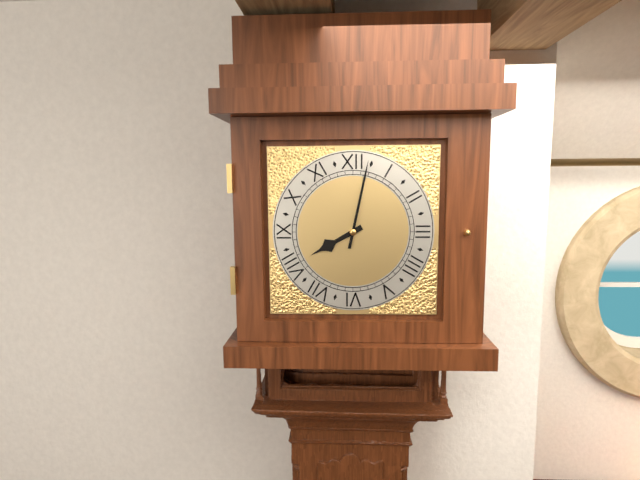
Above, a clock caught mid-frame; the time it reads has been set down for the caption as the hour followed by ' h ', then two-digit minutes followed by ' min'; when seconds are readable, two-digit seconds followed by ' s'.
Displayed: 8 h 02 min
